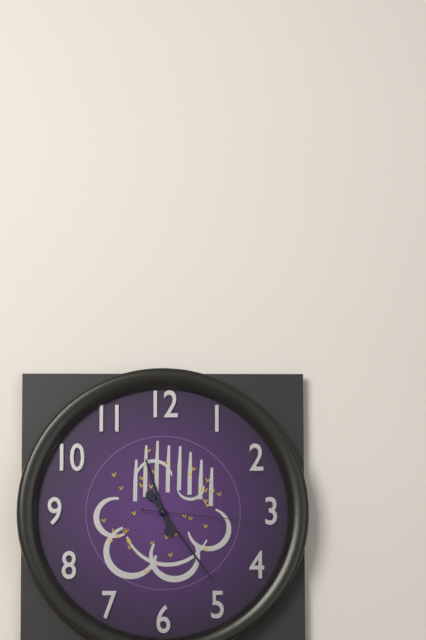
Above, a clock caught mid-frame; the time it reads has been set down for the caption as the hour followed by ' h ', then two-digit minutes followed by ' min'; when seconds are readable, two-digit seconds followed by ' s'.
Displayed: 11 h 24 min 16 s
